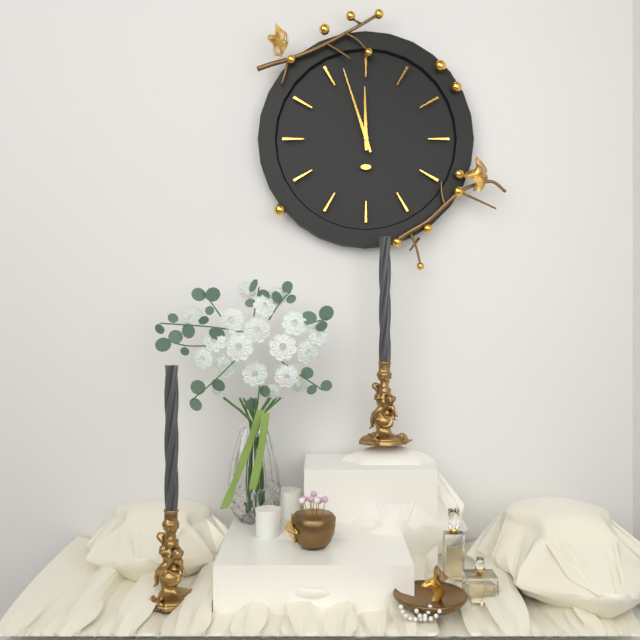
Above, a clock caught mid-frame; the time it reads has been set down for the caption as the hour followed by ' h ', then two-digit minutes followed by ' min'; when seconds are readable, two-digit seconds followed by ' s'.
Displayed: 11 h 57 min
